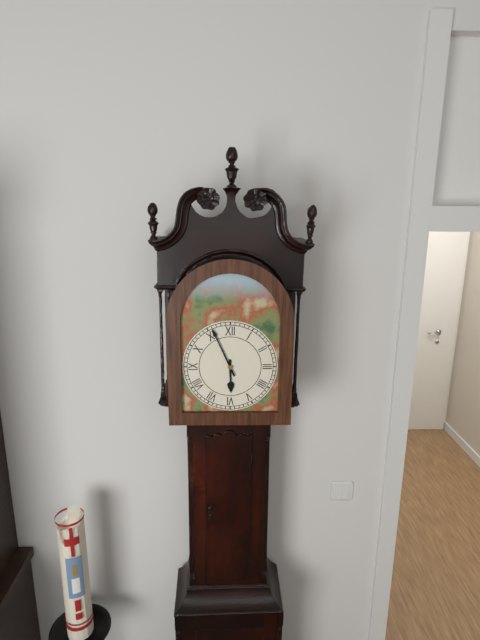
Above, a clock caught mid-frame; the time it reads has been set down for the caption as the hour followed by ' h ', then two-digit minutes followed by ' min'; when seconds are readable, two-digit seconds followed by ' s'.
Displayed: 5 h 56 min
